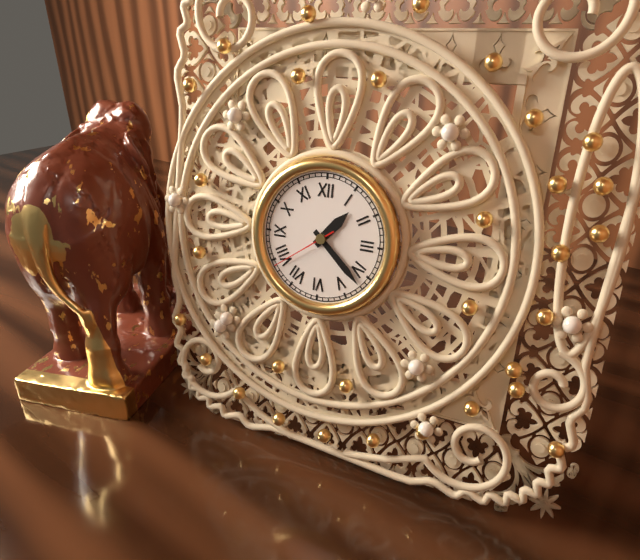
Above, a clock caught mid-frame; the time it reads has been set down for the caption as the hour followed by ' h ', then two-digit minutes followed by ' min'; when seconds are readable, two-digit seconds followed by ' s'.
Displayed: 1 h 22 min 39 s
